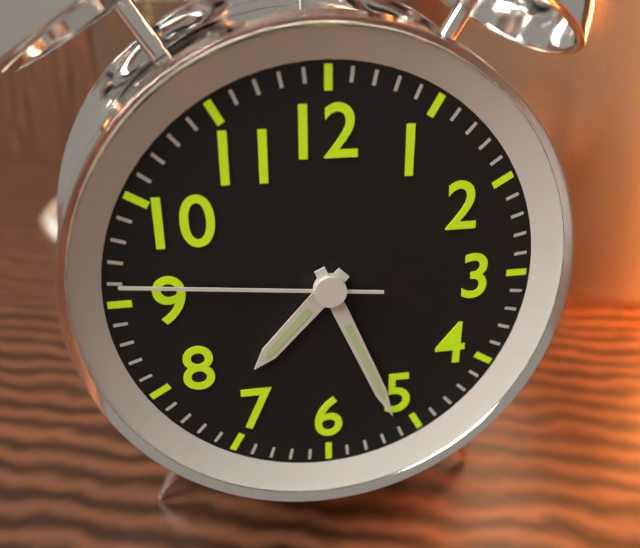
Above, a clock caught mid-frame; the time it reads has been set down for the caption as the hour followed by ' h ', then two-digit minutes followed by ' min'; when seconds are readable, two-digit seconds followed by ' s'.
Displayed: 7 h 26 min 46 s
